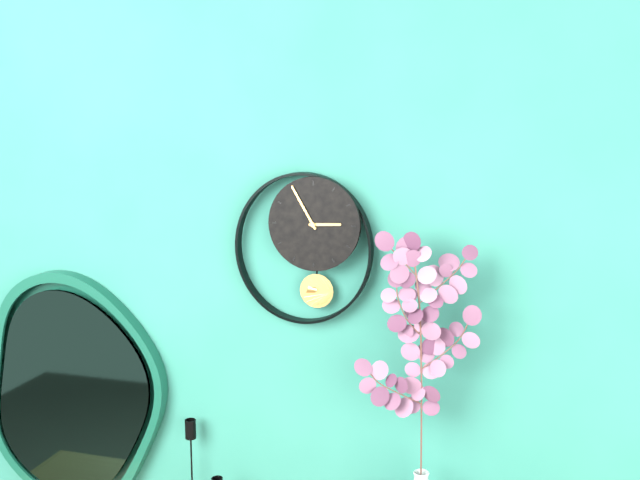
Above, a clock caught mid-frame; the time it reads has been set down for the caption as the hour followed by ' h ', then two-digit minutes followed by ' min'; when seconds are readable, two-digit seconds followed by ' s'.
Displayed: 2 h 55 min
